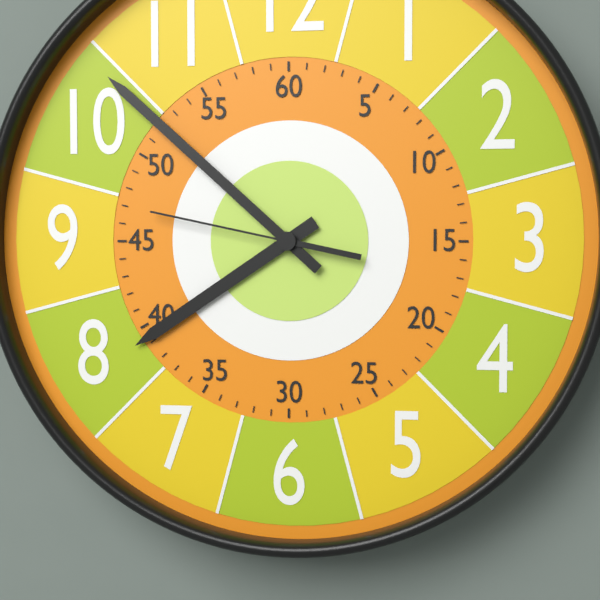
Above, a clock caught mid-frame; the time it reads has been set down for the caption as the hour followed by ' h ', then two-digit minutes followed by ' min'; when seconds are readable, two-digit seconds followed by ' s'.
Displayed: 7 h 52 min 47 s
